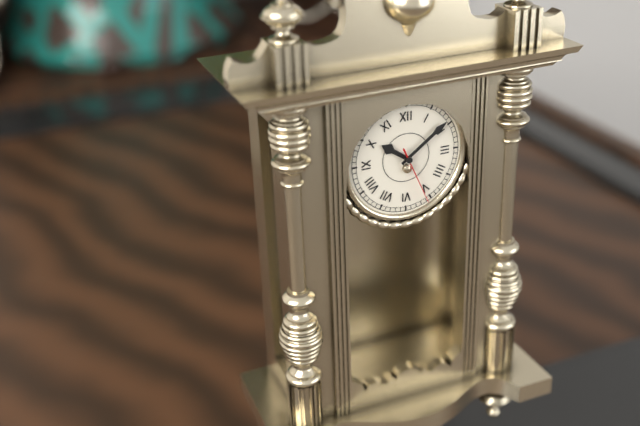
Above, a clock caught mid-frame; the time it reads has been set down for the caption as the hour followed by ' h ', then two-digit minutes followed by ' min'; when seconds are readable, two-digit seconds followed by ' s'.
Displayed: 10 h 09 min 26 s
